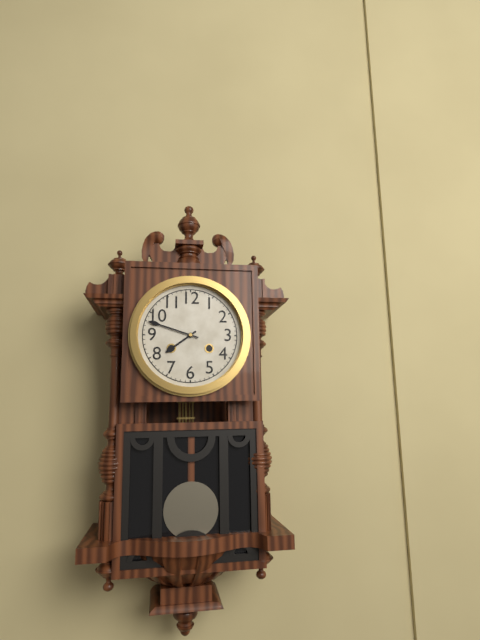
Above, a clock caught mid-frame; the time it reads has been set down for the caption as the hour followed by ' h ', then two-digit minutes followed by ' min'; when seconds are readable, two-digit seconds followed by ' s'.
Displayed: 7 h 48 min
